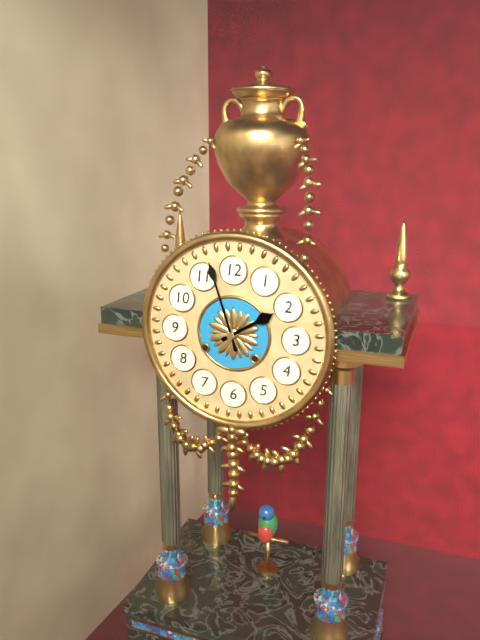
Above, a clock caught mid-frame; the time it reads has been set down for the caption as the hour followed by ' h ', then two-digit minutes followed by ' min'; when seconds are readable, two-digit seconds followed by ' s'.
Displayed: 1 h 57 min
